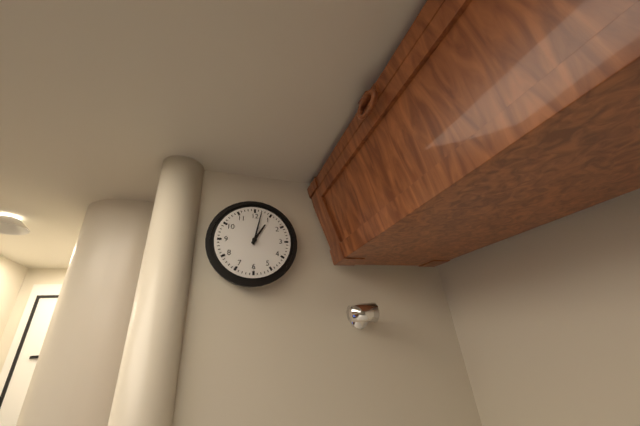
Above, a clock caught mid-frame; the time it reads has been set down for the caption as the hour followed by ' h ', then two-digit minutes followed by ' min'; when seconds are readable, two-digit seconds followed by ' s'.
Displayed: 1 h 02 min
